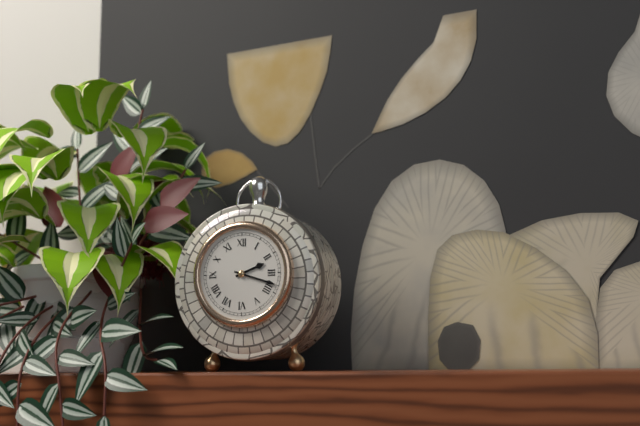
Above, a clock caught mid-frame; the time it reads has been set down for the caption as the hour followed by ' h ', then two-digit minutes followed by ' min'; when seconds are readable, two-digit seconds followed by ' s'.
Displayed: 2 h 18 min
